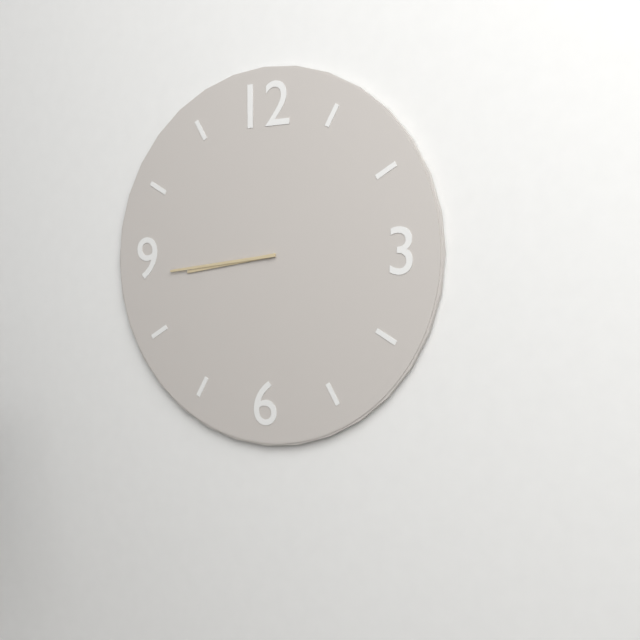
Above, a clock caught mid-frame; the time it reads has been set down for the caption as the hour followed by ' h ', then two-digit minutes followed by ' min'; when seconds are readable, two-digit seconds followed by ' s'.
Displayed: 8 h 44 min
